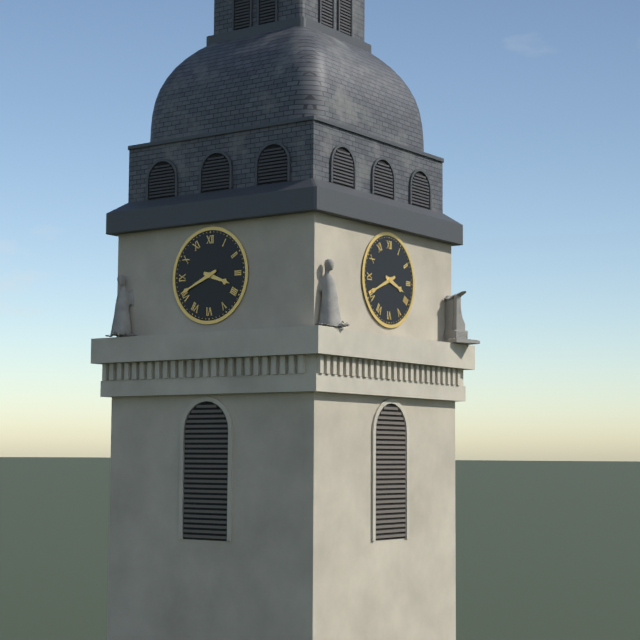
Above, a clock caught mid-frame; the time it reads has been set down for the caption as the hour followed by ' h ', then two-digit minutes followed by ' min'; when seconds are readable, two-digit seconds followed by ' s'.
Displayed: 3 h 41 min
